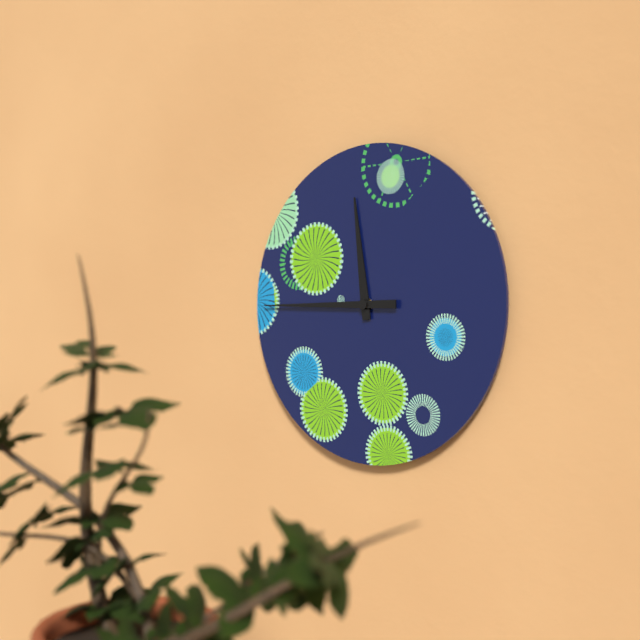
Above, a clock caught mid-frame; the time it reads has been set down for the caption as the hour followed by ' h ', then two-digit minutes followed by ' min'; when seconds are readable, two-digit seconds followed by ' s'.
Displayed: 11 h 45 min
